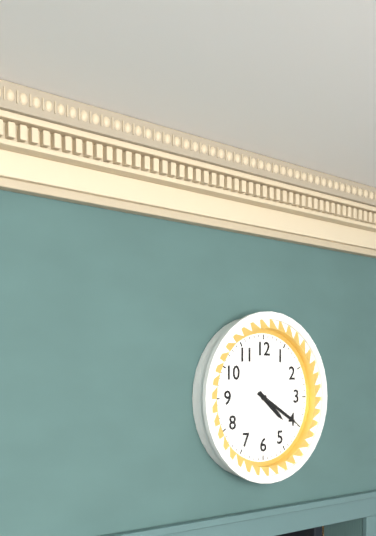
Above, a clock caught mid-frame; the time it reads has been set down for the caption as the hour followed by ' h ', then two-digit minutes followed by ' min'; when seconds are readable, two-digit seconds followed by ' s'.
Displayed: 4 h 20 min
